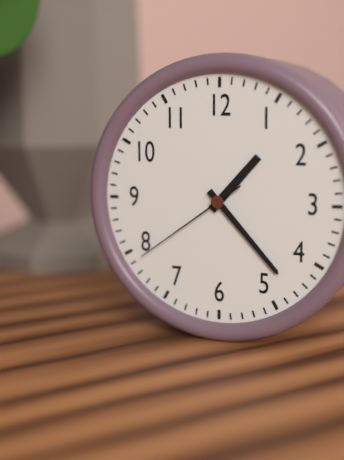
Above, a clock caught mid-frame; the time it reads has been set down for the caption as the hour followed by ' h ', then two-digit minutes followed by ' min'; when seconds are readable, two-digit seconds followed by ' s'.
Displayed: 1 h 23 min 39 s
